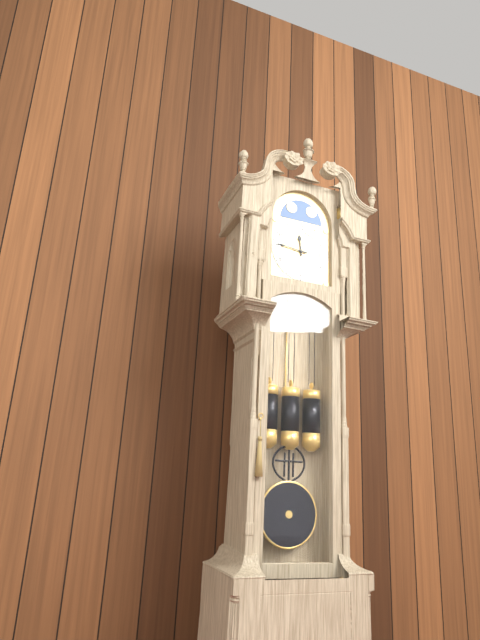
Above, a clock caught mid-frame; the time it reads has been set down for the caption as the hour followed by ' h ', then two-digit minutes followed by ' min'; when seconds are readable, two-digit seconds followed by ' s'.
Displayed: 11 h 46 min
